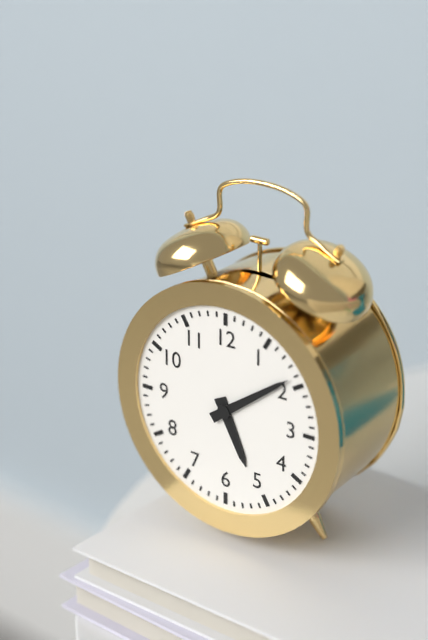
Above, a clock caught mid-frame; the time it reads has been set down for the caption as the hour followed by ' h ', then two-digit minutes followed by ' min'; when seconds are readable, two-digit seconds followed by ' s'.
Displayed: 5 h 09 min
